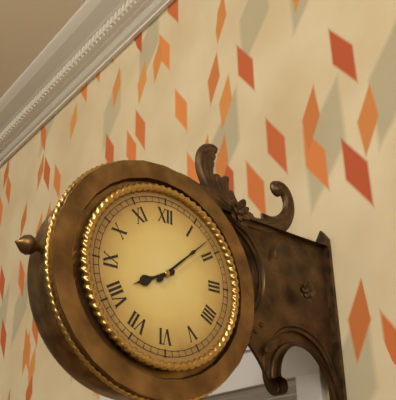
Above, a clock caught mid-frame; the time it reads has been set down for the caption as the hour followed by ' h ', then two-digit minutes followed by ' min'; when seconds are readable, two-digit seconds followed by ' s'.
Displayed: 8 h 08 min
